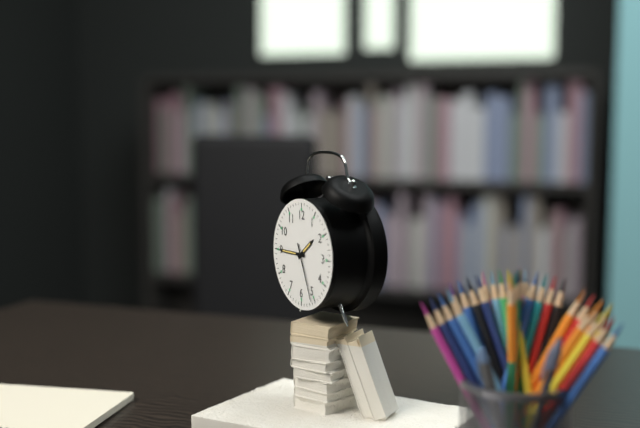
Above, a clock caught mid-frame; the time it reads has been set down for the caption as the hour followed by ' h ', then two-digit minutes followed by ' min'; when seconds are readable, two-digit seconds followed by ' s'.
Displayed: 1 h 45 min 26 s
